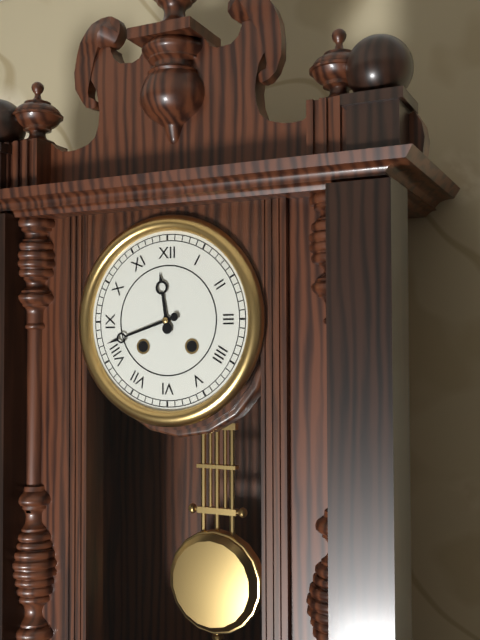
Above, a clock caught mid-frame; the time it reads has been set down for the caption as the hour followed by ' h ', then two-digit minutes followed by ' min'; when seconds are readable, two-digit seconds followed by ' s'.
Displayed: 11 h 42 min
